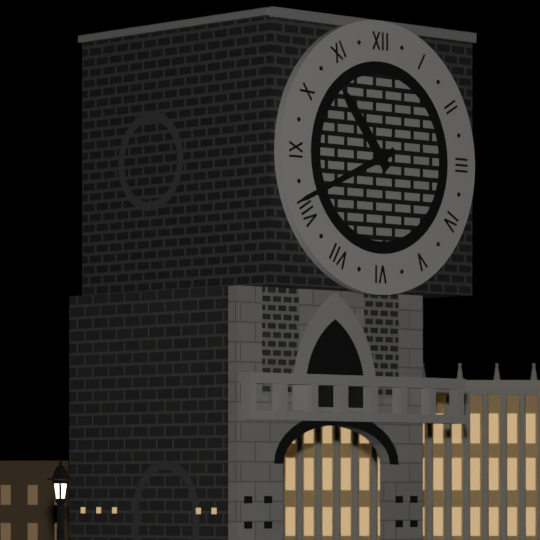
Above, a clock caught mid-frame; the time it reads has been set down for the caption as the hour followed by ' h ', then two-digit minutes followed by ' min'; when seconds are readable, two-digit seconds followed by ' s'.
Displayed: 10 h 41 min
